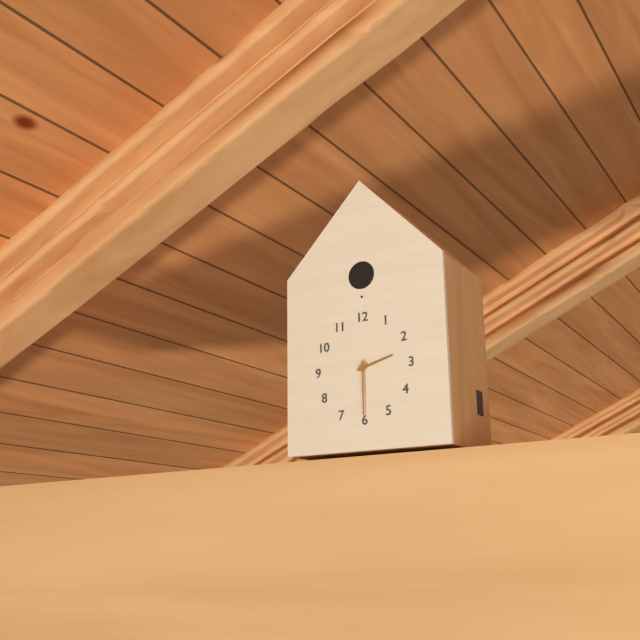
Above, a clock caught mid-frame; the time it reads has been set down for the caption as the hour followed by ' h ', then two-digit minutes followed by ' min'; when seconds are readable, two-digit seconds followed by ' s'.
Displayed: 2 h 30 min
